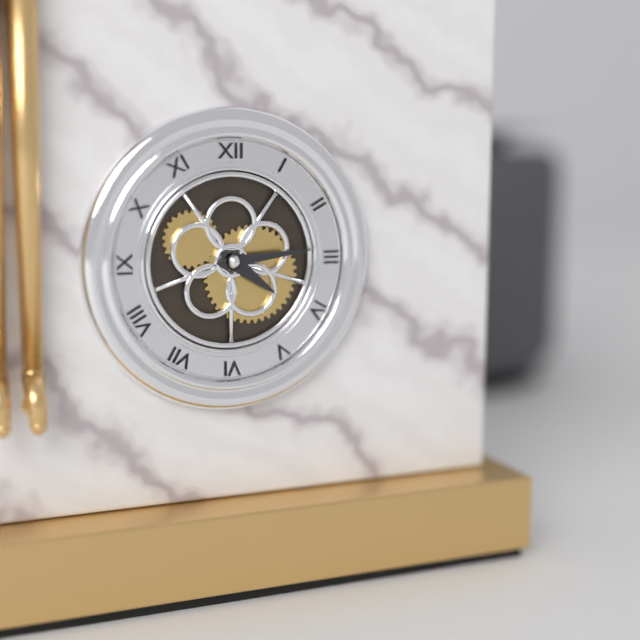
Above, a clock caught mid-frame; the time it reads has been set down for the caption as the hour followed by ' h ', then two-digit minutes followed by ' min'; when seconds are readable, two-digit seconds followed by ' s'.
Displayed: 4 h 14 min
